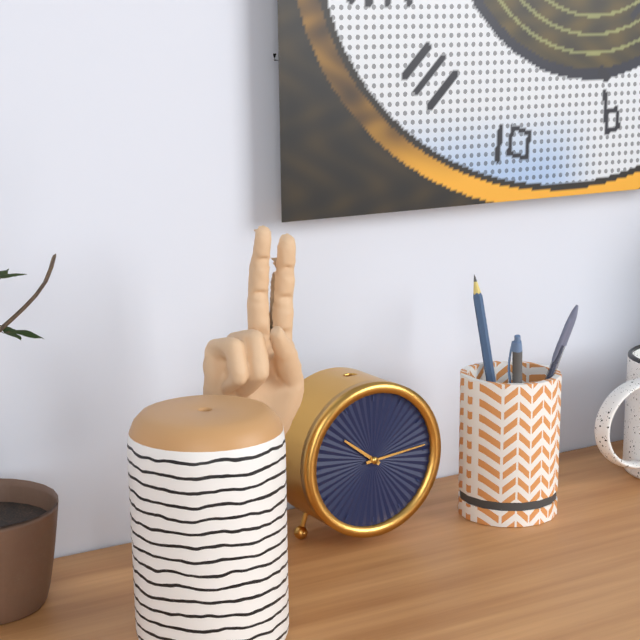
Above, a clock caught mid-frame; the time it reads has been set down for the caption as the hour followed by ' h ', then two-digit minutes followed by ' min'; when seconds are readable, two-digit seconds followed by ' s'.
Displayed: 10 h 14 min
